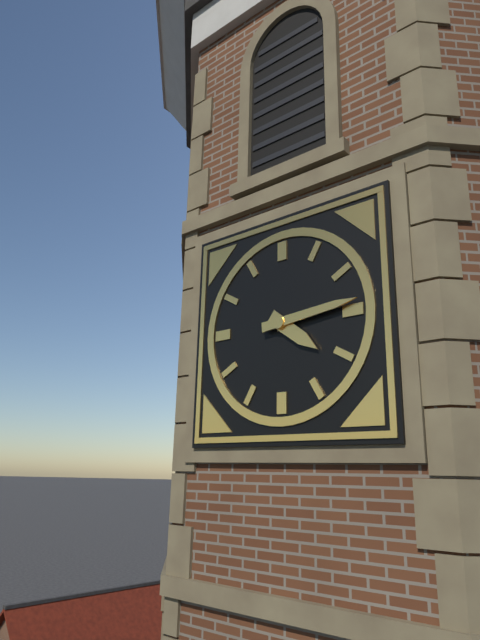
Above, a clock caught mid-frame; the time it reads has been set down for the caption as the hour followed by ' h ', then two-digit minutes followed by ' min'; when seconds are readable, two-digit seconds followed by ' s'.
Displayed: 4 h 14 min
